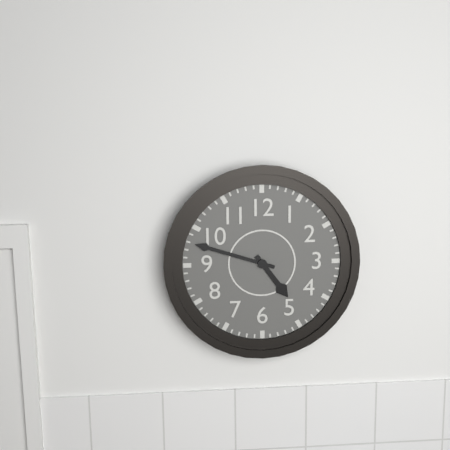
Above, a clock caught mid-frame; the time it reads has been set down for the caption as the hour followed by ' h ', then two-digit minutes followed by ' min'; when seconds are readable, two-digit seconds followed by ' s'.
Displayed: 4 h 48 min
